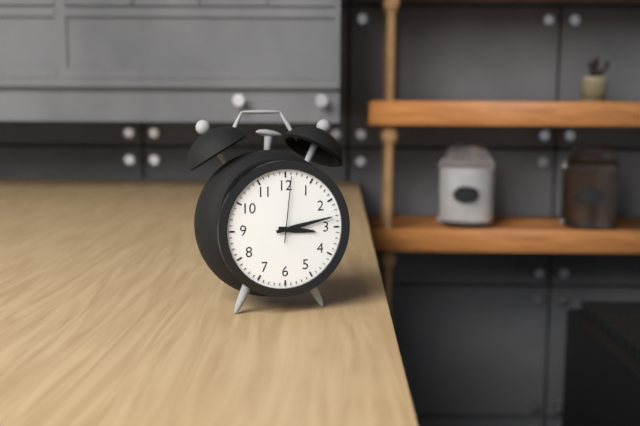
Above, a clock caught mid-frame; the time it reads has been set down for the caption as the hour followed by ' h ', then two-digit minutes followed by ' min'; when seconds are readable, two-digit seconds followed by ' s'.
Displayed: 3 h 13 min 01 s
